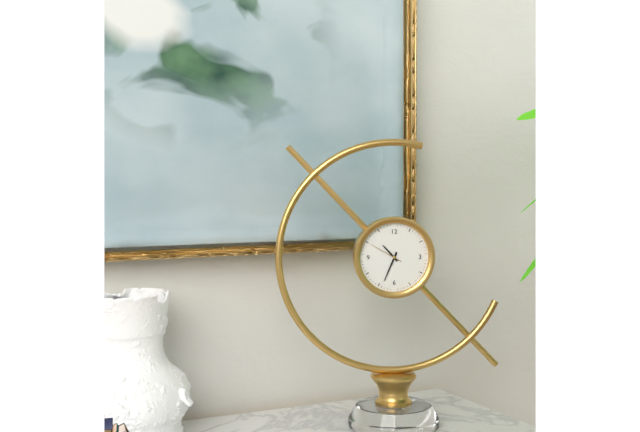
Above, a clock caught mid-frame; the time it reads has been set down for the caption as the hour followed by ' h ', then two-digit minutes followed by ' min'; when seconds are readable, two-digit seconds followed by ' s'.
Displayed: 10 h 34 min
